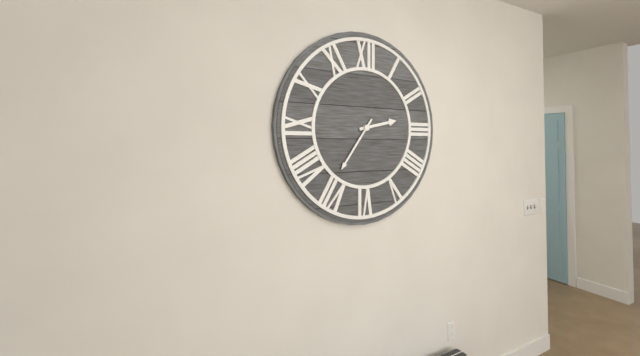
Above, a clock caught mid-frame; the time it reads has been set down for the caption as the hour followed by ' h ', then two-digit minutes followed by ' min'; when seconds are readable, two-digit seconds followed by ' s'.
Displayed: 2 h 36 min
